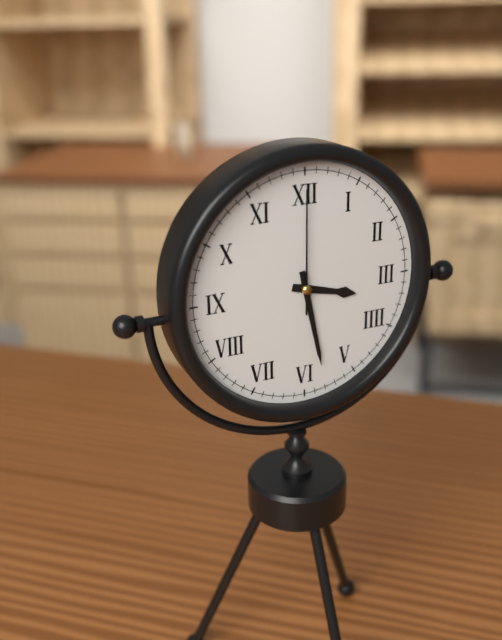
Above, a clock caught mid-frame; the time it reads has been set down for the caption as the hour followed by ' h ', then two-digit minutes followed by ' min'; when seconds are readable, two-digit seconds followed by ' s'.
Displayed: 3 h 28 min 00 s
